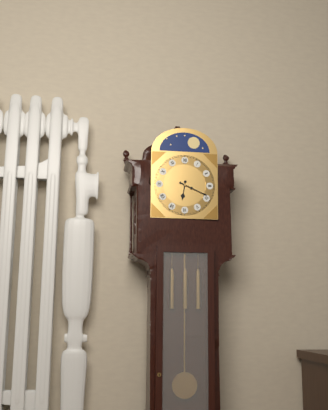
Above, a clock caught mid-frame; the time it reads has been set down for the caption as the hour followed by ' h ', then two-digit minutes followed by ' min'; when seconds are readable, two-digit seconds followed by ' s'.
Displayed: 6 h 19 min
